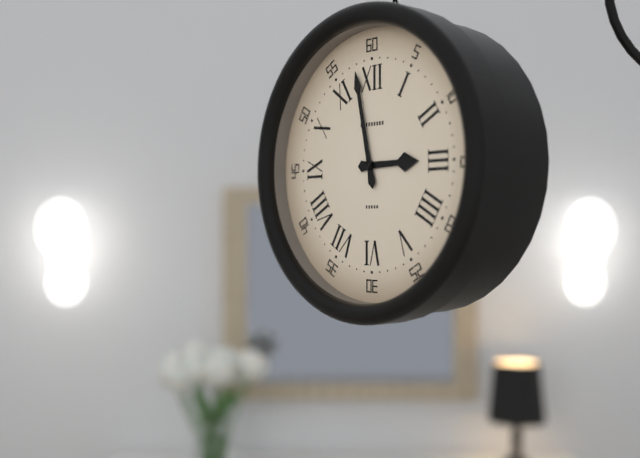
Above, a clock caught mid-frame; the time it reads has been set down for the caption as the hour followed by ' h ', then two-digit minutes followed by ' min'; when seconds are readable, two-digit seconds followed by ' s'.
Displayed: 2 h 58 min
